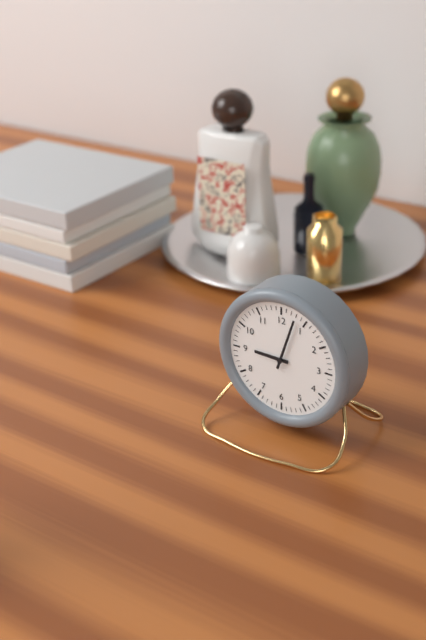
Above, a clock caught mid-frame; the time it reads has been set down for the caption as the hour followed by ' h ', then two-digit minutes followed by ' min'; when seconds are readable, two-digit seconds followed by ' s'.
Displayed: 9 h 03 min
